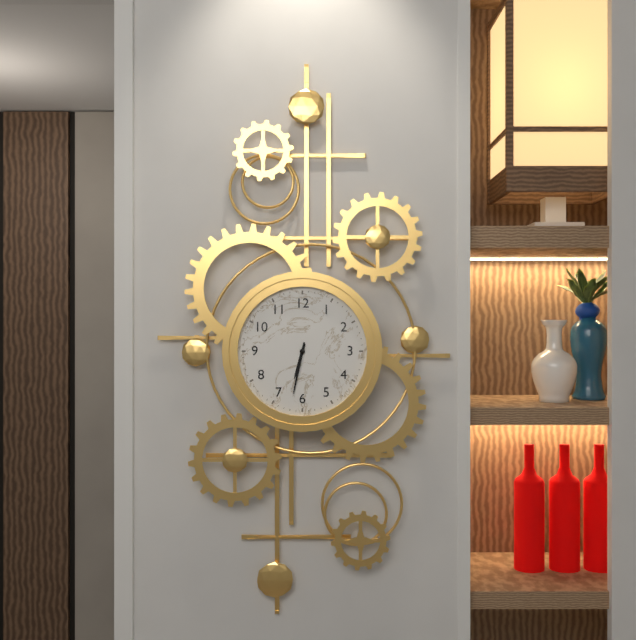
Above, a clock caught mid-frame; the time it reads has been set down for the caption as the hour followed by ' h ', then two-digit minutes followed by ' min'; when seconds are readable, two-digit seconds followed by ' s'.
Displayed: 6 h 32 min
